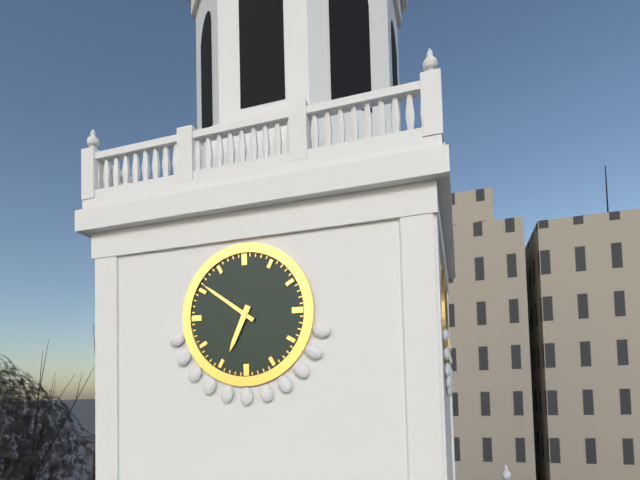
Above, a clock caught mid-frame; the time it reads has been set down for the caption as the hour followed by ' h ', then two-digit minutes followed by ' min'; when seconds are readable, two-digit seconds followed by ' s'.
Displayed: 6 h 51 min
